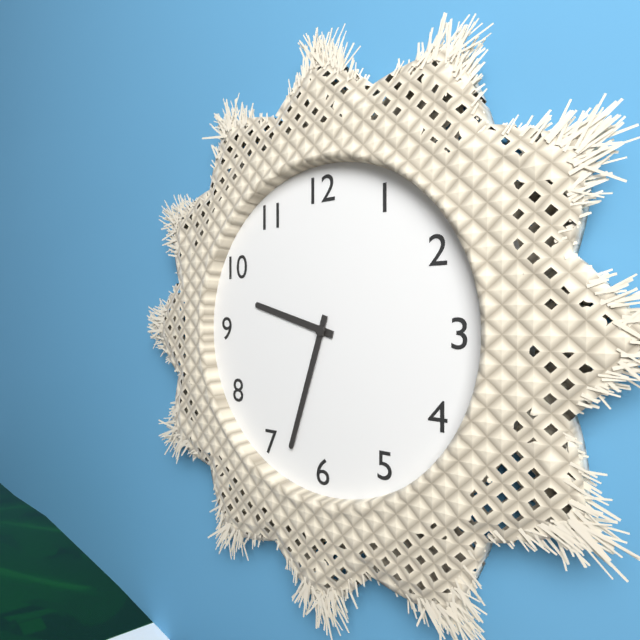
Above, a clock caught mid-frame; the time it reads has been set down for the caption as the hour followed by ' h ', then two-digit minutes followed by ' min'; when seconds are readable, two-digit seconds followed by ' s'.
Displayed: 9 h 33 min
